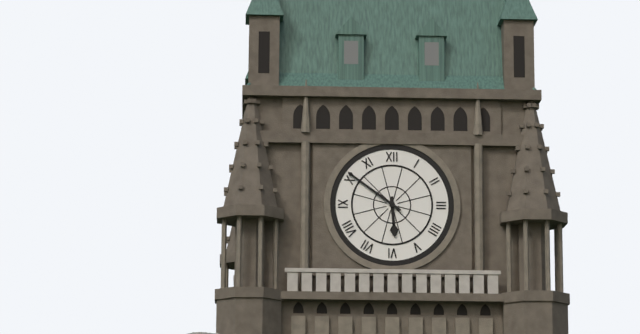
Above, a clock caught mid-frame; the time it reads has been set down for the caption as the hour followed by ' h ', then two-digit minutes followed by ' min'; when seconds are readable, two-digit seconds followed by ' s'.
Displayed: 5 h 51 min
